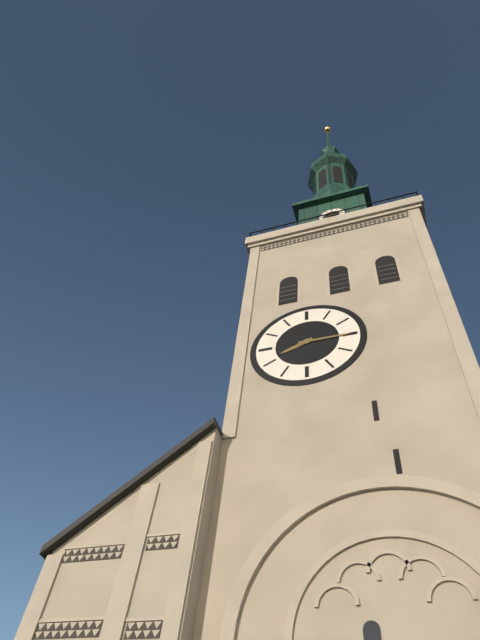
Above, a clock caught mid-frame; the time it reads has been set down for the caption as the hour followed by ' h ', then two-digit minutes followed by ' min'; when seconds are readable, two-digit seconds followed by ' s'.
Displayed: 8 h 15 min
